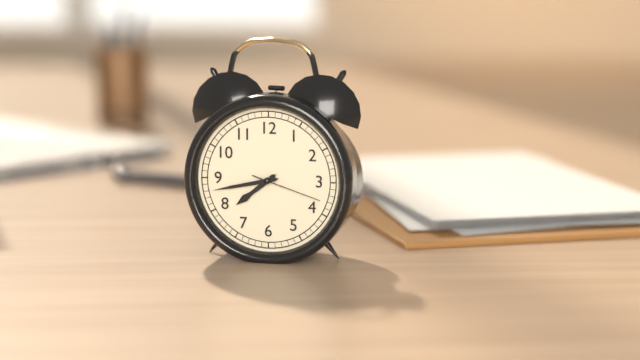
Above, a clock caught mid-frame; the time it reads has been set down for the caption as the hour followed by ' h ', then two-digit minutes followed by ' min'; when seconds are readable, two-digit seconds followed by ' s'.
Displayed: 7 h 43 min 18 s
